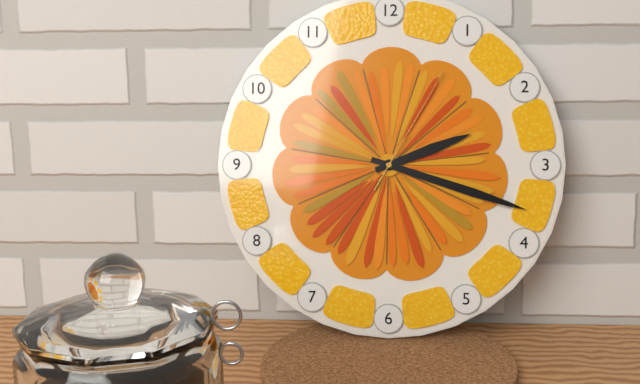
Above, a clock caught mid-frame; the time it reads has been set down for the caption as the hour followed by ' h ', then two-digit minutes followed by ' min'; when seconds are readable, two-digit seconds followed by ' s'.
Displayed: 2 h 18 min 05 s
